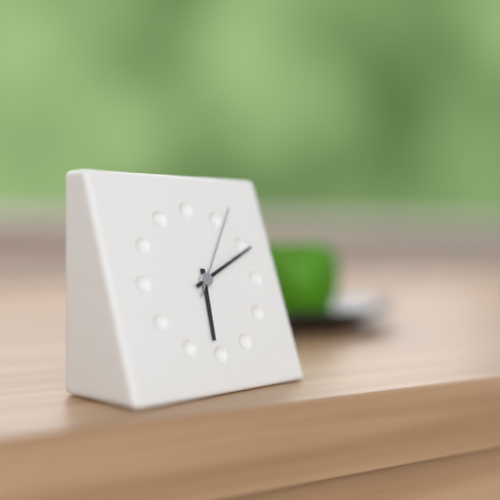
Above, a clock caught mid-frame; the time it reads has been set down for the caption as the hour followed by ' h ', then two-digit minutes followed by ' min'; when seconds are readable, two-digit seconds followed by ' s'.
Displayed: 6 h 11 min 06 s
